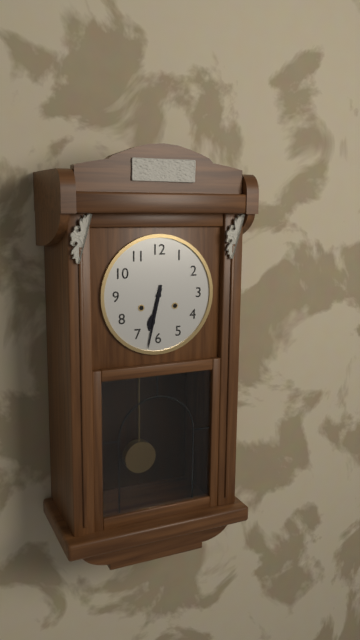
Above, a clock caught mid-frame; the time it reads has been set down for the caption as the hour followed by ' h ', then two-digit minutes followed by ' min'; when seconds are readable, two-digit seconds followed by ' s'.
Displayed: 6 h 32 min
